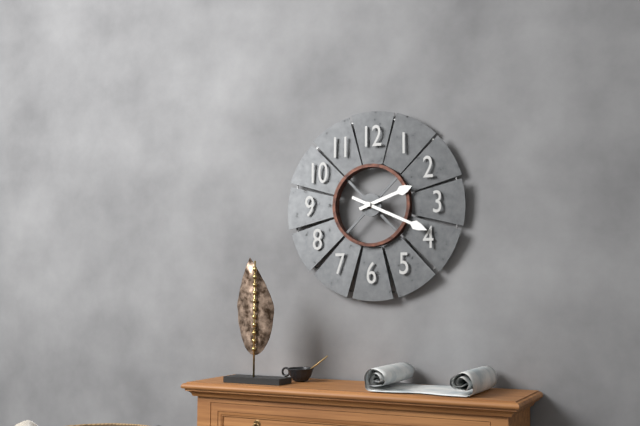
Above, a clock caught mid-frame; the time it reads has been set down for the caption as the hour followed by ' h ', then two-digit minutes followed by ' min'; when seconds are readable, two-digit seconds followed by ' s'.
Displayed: 2 h 19 min
